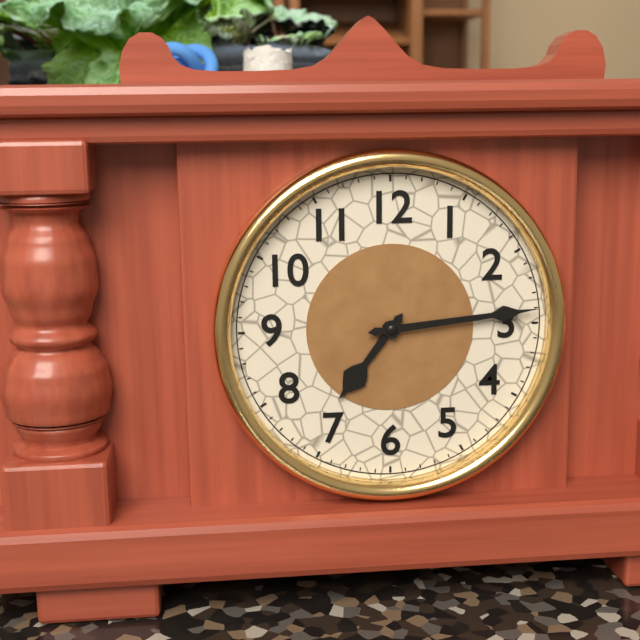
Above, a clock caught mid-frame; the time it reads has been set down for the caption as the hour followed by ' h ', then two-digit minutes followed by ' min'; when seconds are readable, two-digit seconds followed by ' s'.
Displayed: 7 h 14 min
